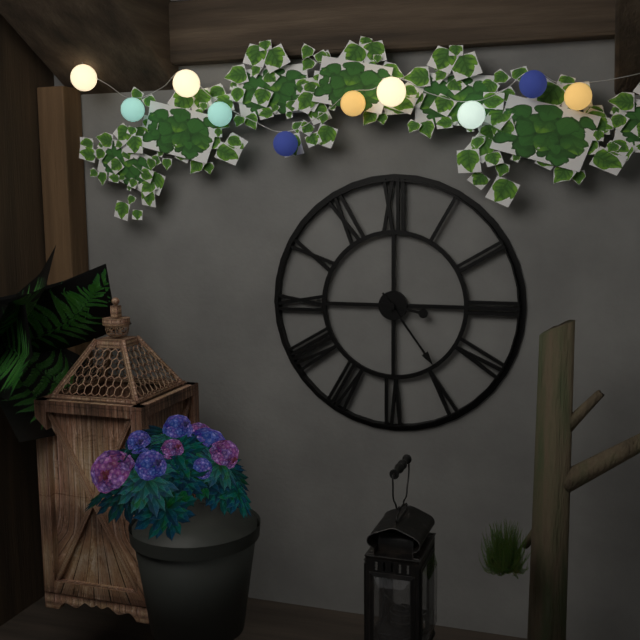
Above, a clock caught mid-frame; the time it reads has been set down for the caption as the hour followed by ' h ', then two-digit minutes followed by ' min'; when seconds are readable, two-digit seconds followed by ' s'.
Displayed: 3 h 24 min
